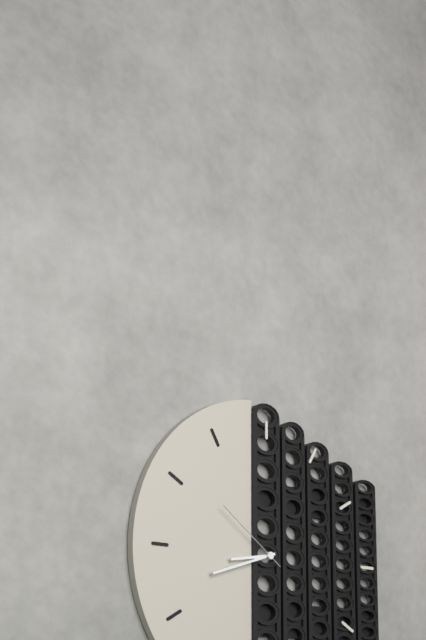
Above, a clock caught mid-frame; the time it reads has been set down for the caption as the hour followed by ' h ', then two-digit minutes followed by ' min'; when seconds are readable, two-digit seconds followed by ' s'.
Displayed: 8 h 42 min 51 s
